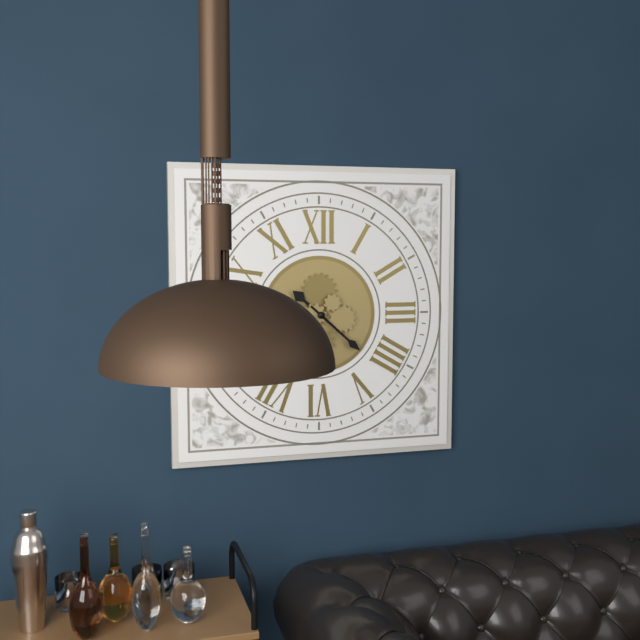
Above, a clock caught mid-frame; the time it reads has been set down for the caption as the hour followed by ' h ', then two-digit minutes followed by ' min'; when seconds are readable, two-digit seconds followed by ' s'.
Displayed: 10 h 22 min
